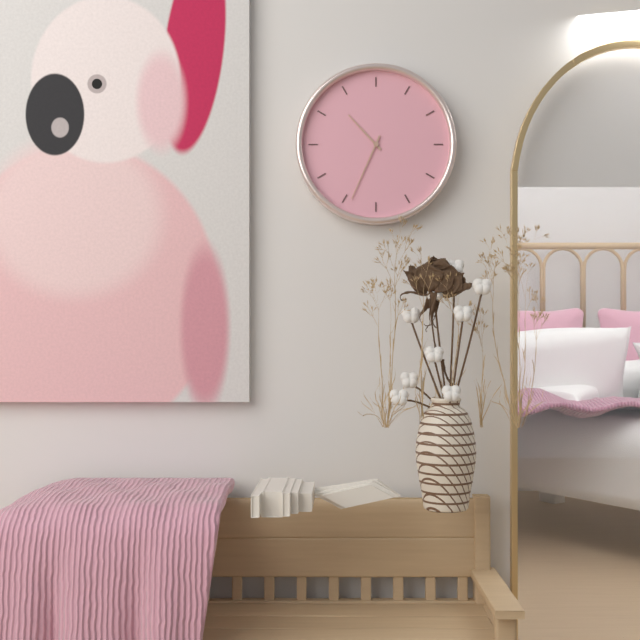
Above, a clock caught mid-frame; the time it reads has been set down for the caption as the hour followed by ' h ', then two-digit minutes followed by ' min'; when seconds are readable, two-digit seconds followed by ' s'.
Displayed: 10 h 34 min
